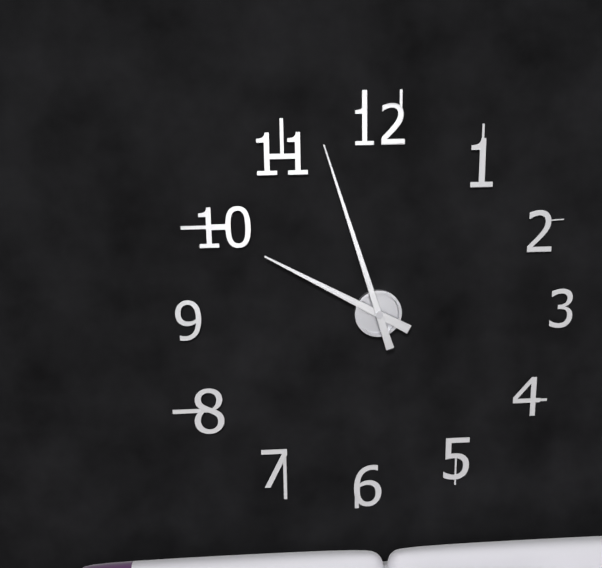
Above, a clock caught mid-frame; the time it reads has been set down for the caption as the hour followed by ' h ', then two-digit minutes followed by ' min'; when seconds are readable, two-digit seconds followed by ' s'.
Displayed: 9 h 57 min
